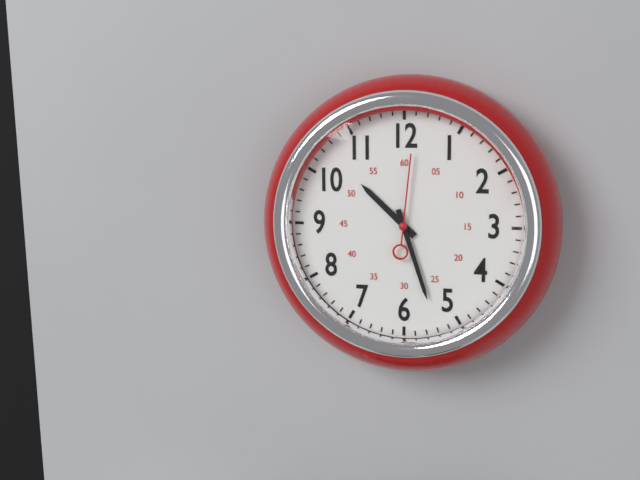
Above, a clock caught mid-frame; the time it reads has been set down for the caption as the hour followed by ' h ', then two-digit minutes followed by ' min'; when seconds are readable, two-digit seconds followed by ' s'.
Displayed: 10 h 27 min 01 s
